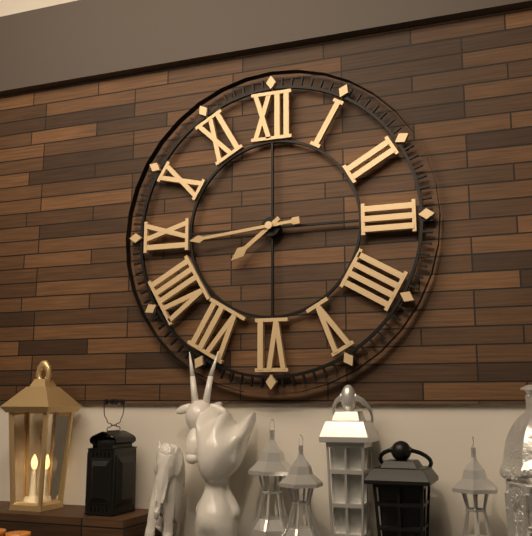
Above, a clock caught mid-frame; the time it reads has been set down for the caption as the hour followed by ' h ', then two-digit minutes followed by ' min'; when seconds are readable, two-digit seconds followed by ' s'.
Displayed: 7 h 44 min
